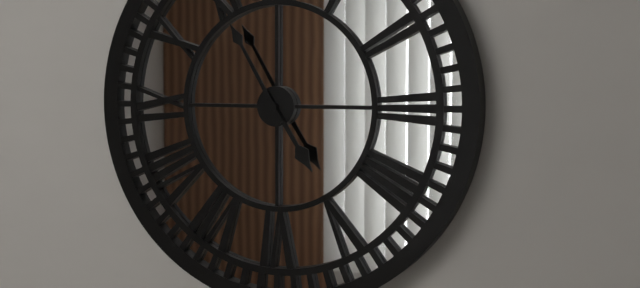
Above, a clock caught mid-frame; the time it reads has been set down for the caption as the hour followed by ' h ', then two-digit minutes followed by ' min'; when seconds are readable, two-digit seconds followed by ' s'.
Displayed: 4 h 55 min
